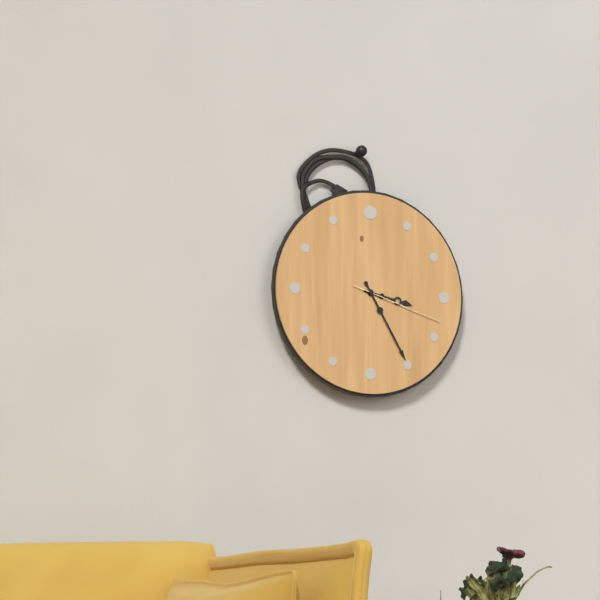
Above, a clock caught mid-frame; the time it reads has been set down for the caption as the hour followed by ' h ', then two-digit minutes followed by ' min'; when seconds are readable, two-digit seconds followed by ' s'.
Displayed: 3 h 25 min 18 s
